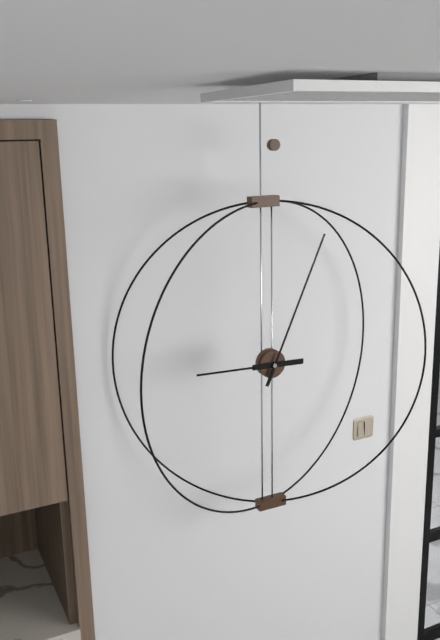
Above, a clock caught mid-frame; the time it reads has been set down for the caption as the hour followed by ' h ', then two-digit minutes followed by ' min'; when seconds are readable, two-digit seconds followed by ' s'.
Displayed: 9 h 04 min
